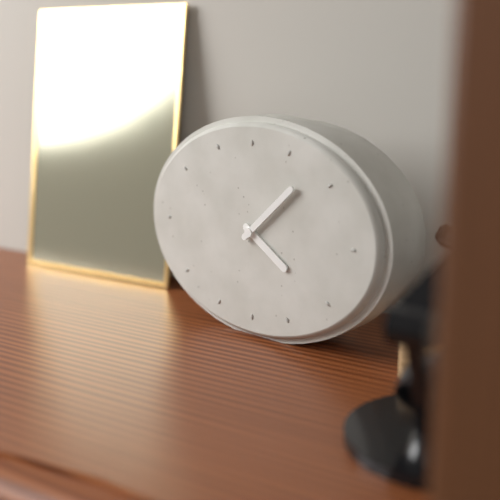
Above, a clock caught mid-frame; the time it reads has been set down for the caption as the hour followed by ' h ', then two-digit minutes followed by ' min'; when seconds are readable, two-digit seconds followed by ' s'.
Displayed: 4 h 08 min
